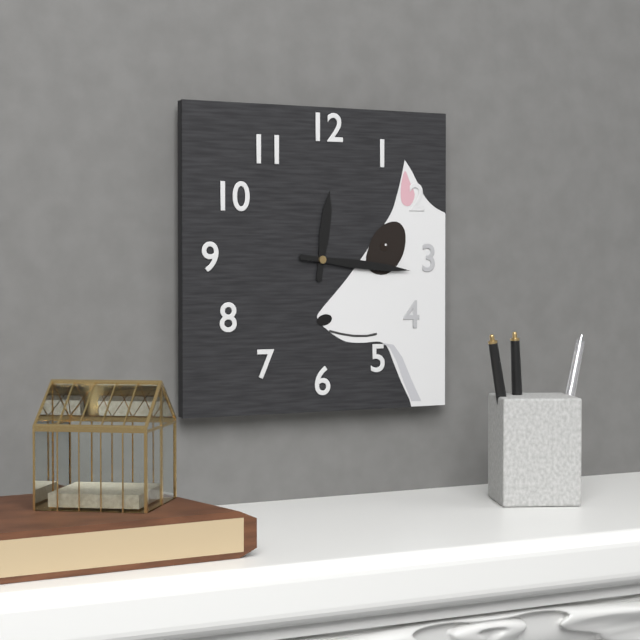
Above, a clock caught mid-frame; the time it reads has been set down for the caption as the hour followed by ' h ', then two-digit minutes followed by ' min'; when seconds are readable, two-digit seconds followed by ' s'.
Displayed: 12 h 16 min
